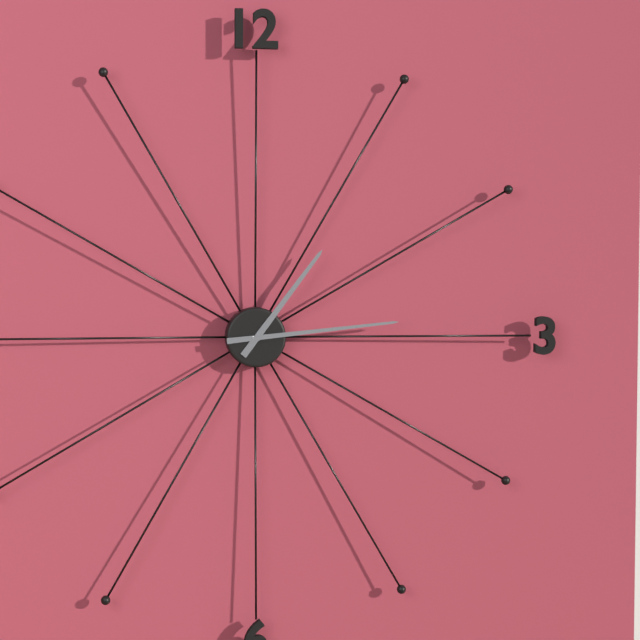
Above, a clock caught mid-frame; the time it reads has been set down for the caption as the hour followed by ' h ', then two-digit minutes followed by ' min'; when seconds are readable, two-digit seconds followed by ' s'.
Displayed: 1 h 14 min
